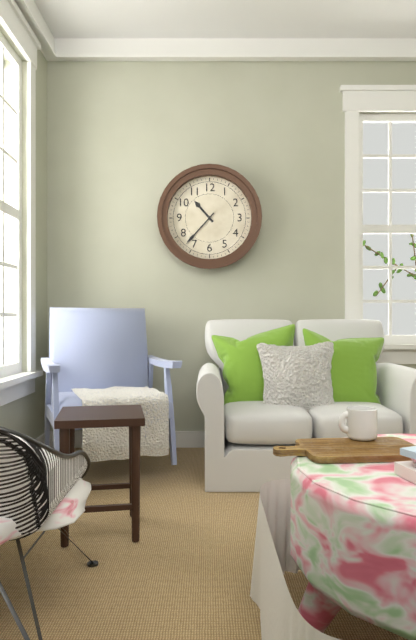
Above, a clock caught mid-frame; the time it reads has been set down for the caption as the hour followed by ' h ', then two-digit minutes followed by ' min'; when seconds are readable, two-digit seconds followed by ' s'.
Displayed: 10 h 37 min
